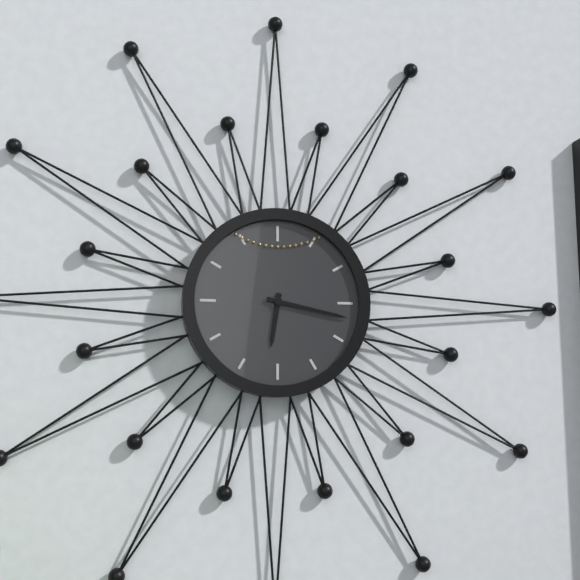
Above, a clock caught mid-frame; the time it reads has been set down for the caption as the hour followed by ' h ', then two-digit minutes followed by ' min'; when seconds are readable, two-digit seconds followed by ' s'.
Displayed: 6 h 17 min
